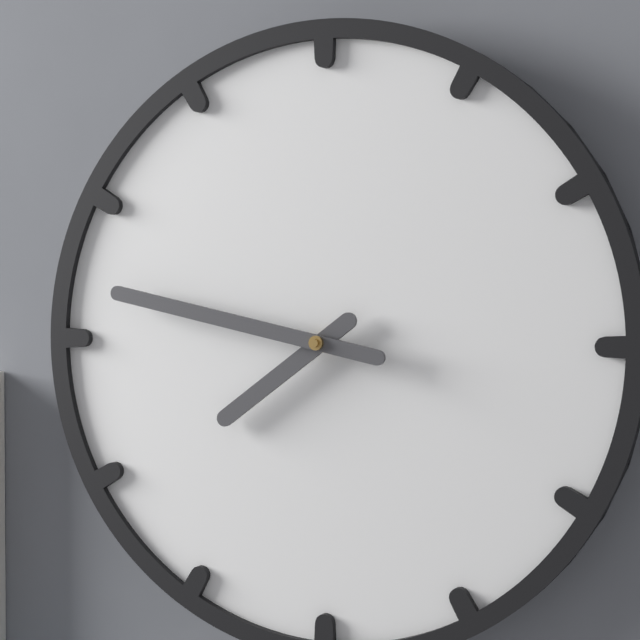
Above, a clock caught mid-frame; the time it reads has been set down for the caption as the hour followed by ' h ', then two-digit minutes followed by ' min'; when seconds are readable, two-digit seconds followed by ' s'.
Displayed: 7 h 47 min
